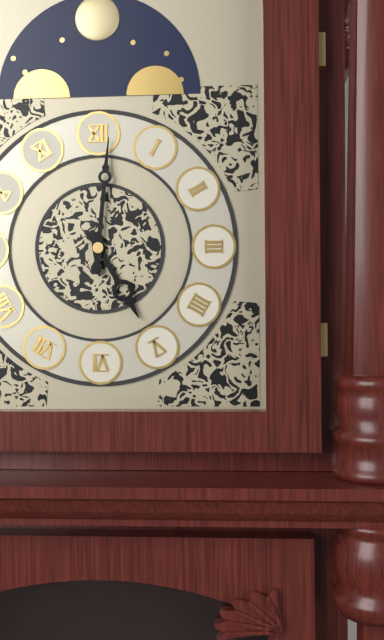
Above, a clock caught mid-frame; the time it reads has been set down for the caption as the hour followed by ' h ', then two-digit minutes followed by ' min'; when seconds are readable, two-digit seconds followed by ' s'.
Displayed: 5 h 01 min
